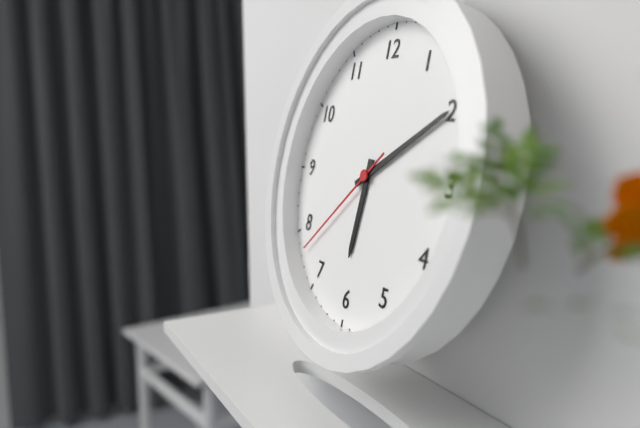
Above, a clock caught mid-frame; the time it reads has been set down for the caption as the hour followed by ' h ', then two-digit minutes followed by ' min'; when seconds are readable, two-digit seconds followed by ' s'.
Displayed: 6 h 10 min 38 s
